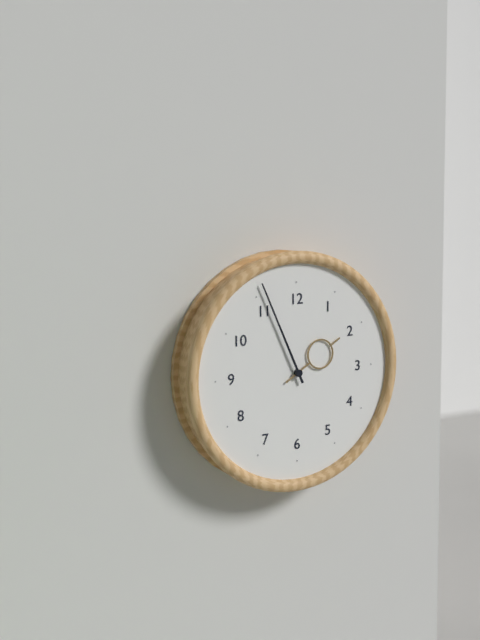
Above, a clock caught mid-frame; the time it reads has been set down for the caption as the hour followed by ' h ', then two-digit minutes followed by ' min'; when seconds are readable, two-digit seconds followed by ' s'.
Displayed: 1 h 56 min
